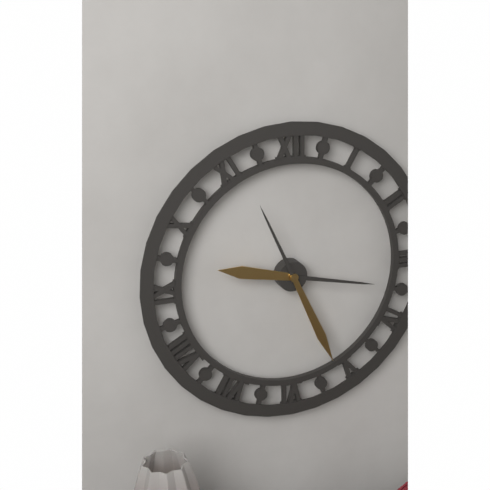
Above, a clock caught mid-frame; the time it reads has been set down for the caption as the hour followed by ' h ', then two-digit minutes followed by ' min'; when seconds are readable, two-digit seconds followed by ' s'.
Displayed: 9 h 26 min
